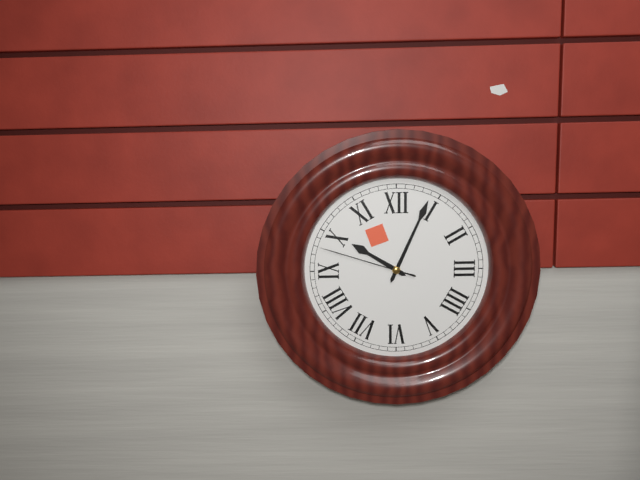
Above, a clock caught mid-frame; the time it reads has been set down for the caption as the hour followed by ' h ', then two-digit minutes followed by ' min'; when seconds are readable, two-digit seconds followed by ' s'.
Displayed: 10 h 04 min 48 s
